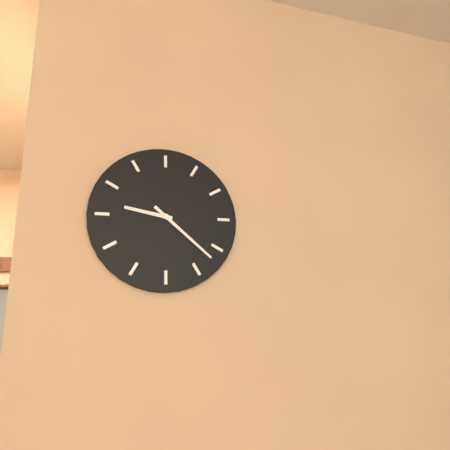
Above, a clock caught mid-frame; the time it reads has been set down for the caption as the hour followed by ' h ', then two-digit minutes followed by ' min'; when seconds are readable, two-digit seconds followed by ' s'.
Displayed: 9 h 22 min
